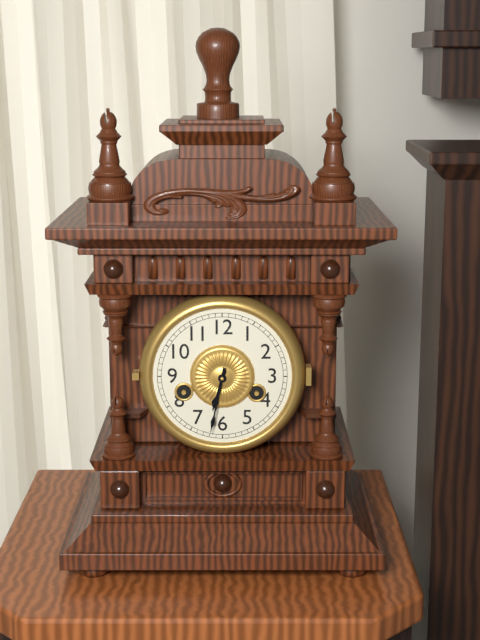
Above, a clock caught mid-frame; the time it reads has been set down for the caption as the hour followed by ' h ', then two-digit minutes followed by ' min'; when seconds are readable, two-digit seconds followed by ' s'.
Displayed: 6 h 32 min
